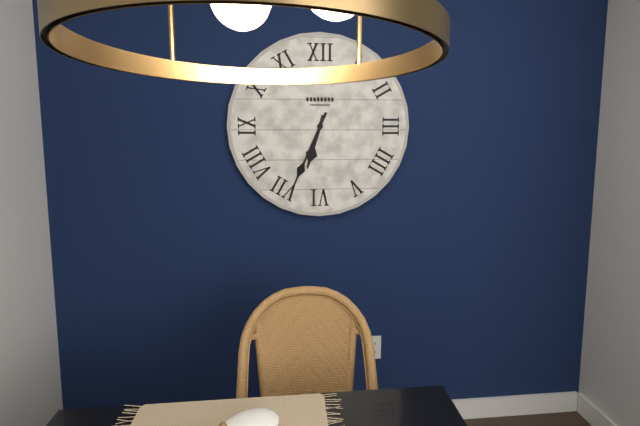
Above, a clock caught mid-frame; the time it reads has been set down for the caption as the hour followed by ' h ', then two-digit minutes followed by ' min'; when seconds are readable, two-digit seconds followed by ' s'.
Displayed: 6 h 34 min
